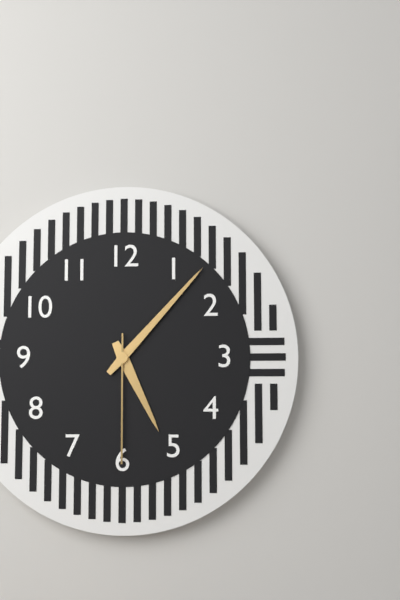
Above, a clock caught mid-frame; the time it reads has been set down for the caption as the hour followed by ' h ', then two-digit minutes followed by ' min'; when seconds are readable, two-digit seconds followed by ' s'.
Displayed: 5 h 07 min 30 s
